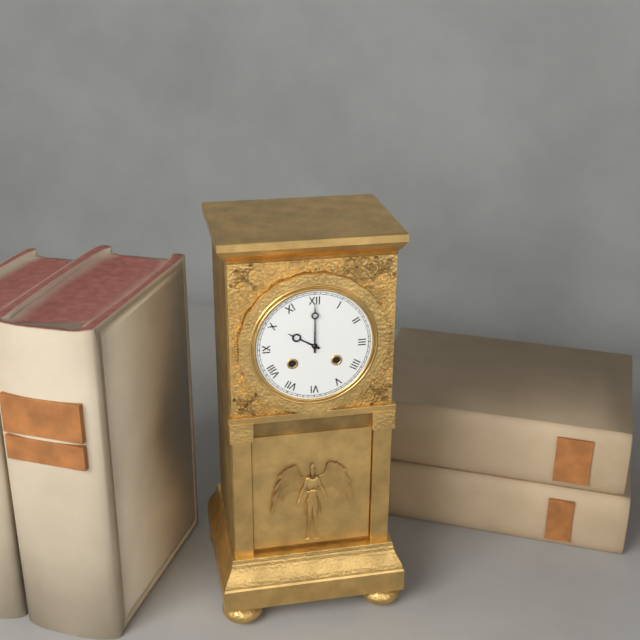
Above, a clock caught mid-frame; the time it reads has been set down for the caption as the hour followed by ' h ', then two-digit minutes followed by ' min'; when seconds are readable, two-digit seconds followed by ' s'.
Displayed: 10 h 00 min
